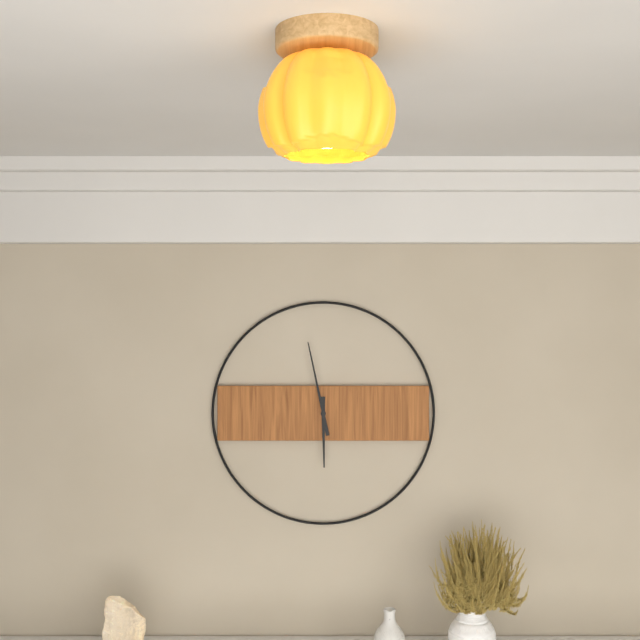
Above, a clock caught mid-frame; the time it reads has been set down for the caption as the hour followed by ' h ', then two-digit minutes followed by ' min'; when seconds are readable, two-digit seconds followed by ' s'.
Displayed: 5 h 58 min
